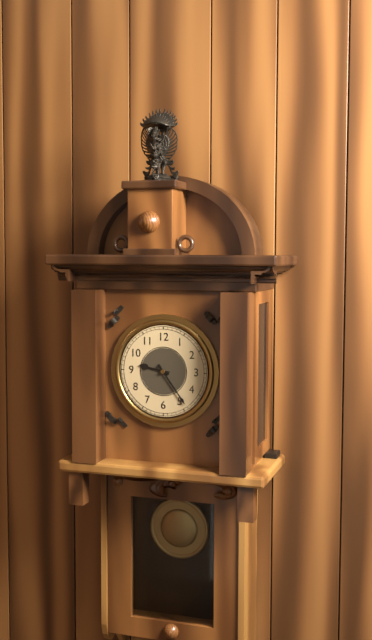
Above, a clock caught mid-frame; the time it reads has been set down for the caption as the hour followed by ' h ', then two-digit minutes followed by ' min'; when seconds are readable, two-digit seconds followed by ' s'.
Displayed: 9 h 24 min
